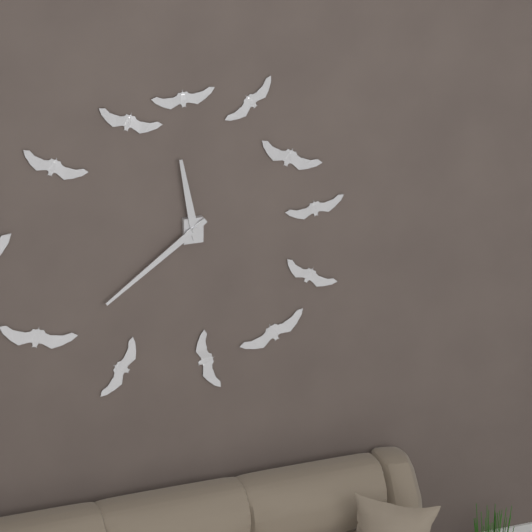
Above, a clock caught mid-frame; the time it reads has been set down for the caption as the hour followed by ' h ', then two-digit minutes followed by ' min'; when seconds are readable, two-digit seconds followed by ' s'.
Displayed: 11 h 39 min
